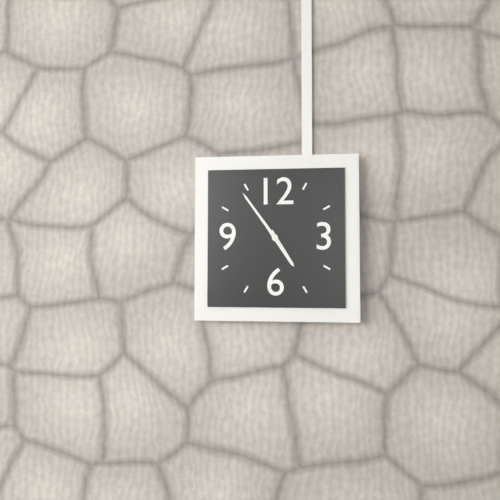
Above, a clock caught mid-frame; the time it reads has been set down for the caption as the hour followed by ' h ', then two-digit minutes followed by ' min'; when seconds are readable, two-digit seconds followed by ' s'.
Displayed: 4 h 54 min
